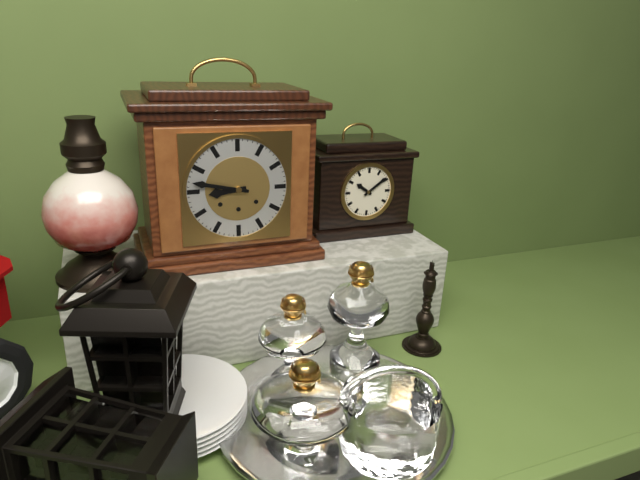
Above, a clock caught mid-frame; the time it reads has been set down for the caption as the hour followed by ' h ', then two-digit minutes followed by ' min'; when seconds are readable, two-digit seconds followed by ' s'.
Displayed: 8 h 47 min
